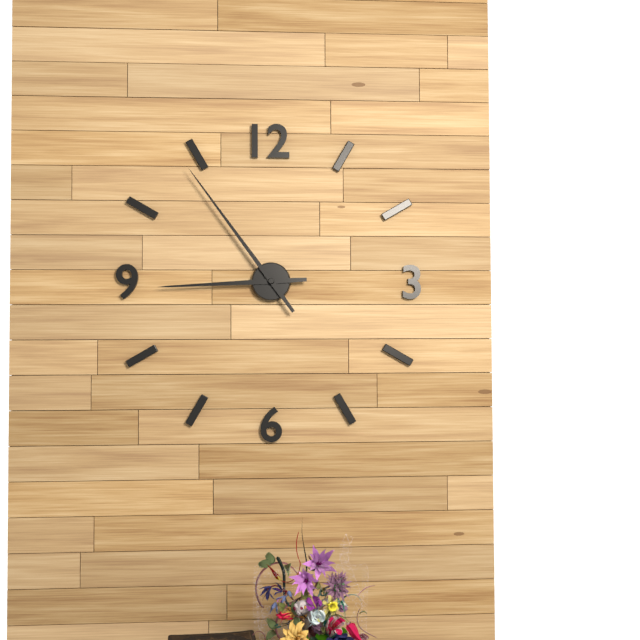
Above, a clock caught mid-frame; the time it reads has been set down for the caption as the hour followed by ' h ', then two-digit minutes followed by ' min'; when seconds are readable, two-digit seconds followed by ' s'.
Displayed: 8 h 54 min
